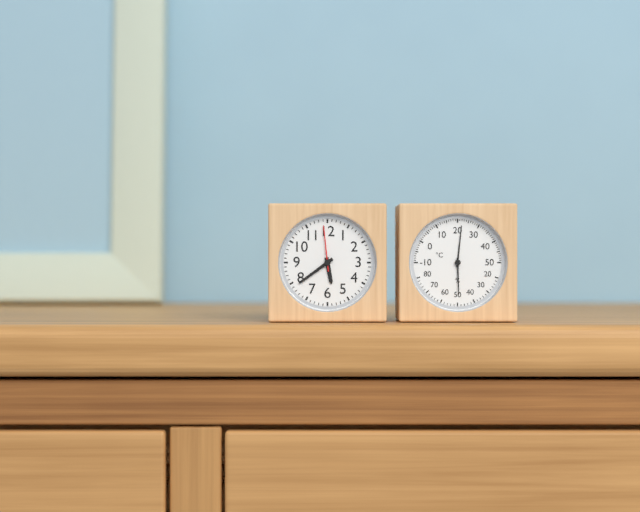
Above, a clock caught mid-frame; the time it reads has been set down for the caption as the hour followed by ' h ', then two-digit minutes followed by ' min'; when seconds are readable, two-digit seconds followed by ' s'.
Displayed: 5 h 39 min
